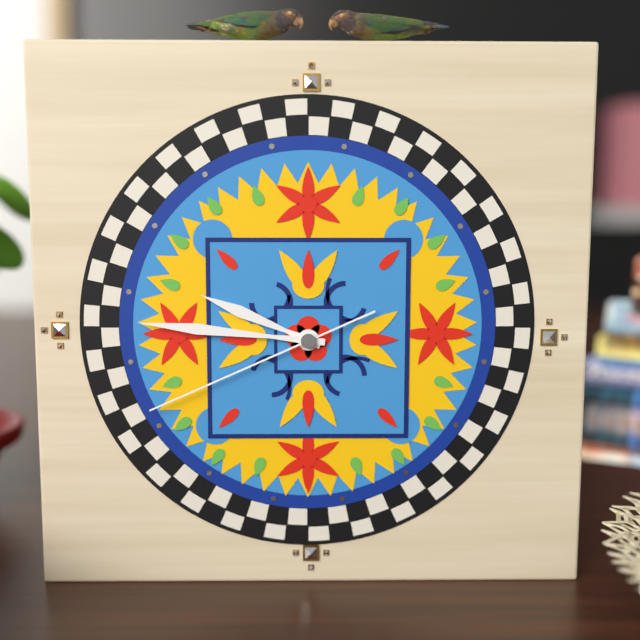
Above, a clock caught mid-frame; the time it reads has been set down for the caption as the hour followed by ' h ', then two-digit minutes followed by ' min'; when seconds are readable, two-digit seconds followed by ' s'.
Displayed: 9 h 46 min 41 s
